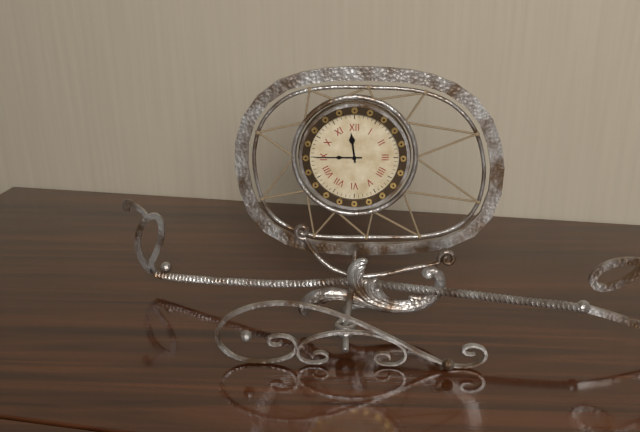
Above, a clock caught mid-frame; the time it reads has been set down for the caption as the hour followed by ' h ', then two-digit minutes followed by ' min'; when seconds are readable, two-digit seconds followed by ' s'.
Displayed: 11 h 45 min
